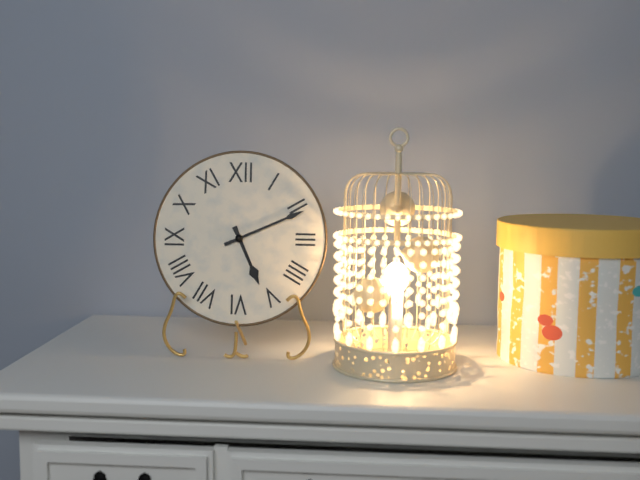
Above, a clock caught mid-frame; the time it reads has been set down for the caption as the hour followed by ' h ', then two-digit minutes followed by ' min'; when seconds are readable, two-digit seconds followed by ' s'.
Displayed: 5 h 11 min
